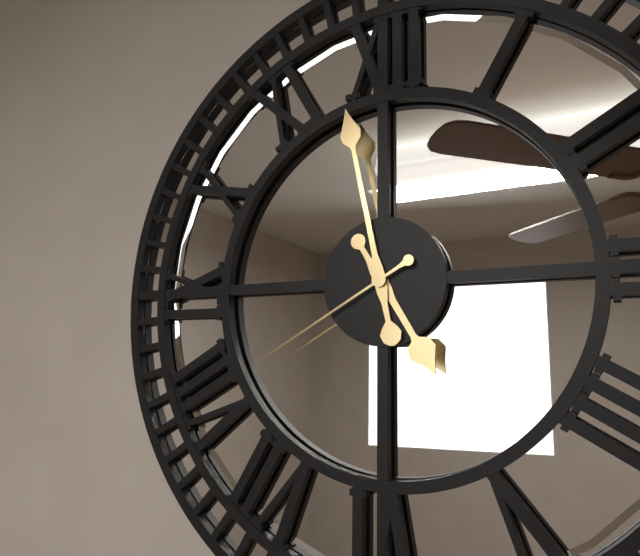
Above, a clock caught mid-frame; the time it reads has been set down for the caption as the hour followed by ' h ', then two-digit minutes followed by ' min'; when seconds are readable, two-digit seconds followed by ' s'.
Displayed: 4 h 58 min 40 s
